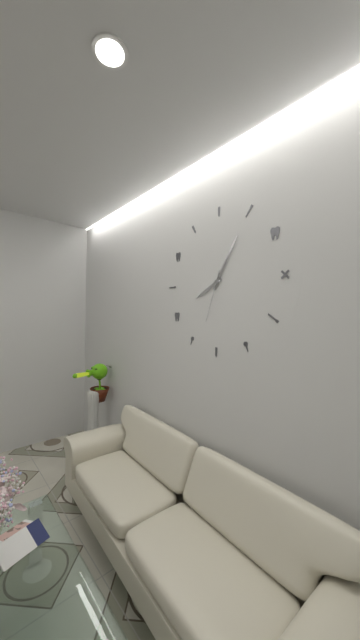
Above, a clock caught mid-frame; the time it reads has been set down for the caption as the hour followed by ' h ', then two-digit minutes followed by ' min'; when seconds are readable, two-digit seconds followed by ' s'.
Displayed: 8 h 05 min 33 s
